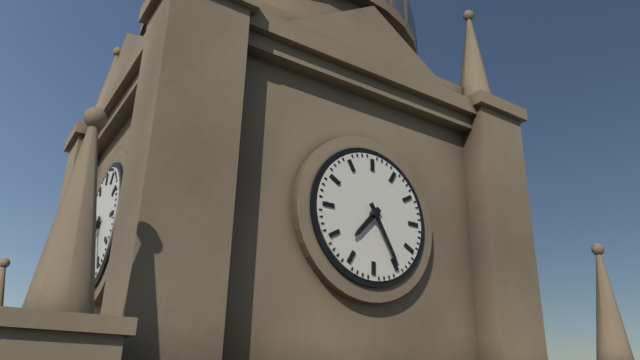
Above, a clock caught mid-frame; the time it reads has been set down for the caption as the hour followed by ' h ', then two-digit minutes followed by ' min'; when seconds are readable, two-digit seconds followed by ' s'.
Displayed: 7 h 25 min
